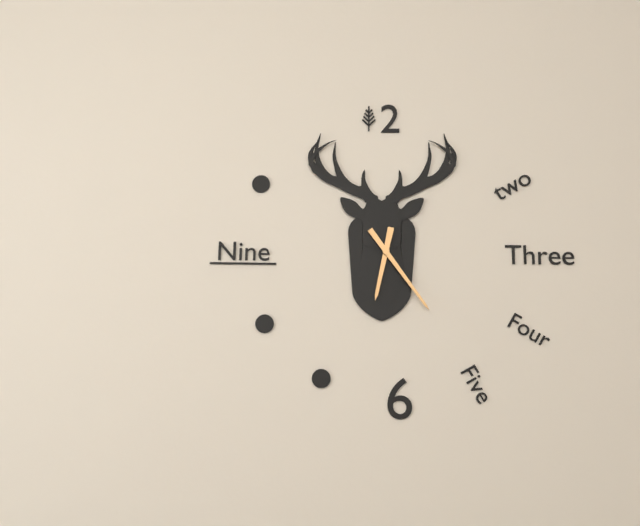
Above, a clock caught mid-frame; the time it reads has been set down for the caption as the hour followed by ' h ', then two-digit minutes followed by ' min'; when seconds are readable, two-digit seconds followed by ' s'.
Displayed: 6 h 24 min
